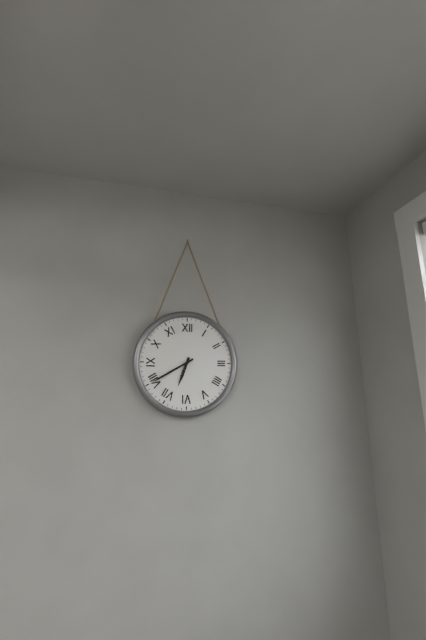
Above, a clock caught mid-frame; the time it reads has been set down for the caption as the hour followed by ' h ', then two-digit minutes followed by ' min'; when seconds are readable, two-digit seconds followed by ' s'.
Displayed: 6 h 40 min
